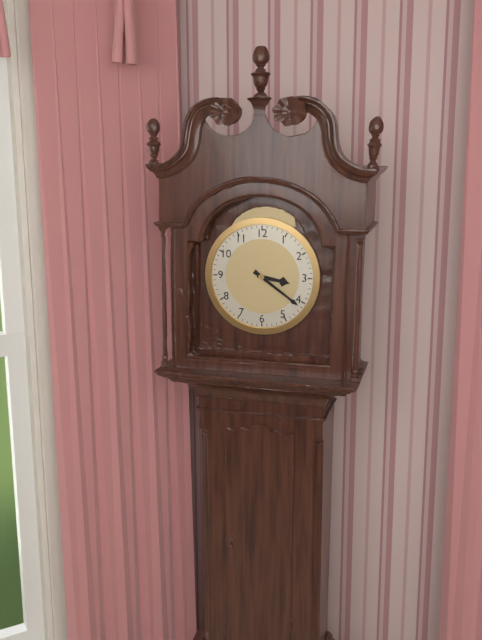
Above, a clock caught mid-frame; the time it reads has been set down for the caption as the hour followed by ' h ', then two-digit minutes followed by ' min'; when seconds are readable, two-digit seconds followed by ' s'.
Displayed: 3 h 21 min
